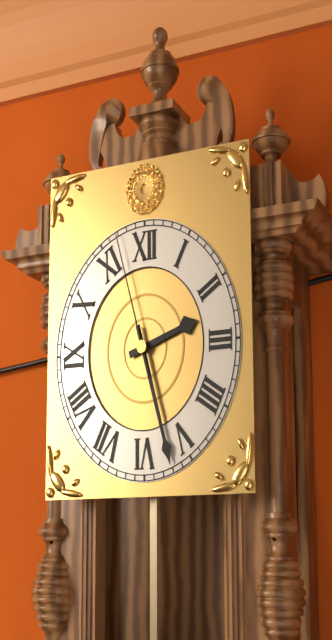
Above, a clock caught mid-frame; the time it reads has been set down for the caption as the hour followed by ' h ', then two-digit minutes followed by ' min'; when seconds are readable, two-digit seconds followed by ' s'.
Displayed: 2 h 27 min 57 s
